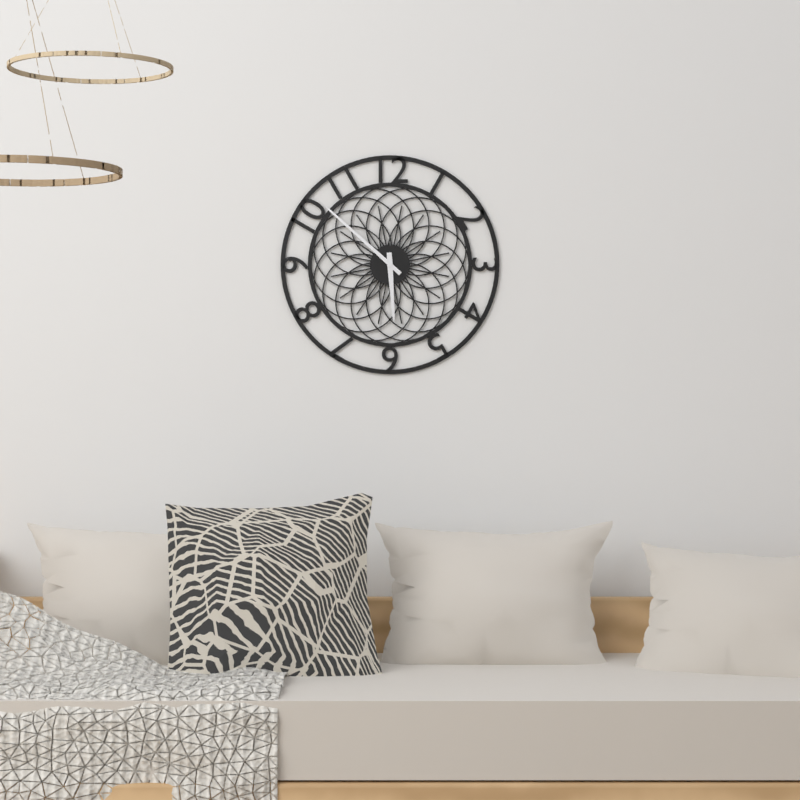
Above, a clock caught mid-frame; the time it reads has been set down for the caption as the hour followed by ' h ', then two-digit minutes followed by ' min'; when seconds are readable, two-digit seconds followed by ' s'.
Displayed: 5 h 52 min
